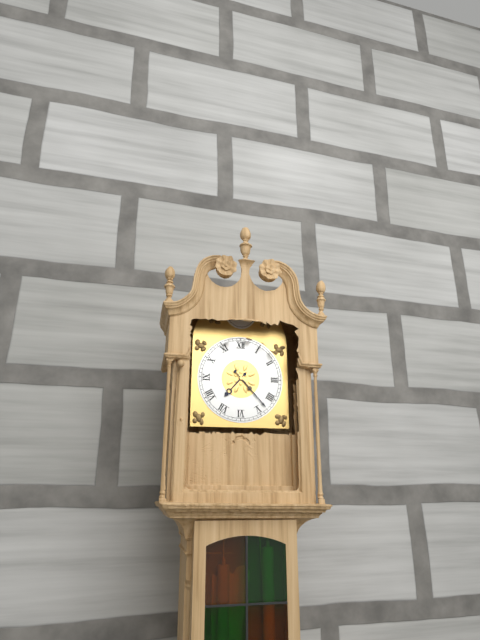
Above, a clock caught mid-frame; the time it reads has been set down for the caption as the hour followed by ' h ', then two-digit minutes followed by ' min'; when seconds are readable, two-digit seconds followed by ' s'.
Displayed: 7 h 23 min
